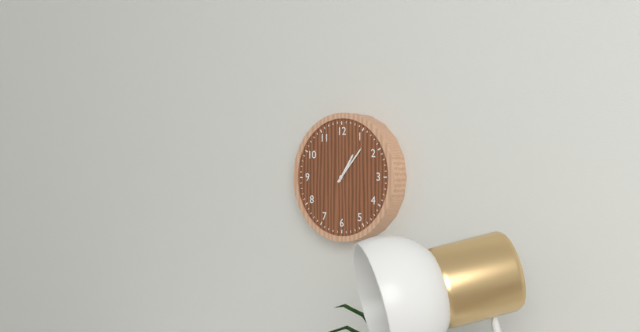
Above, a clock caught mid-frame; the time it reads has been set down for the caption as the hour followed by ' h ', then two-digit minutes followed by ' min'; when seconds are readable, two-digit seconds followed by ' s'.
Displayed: 1 h 07 min
